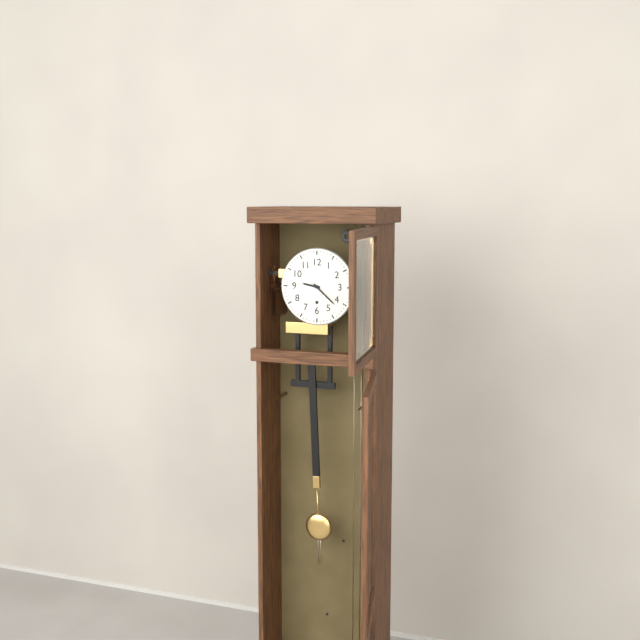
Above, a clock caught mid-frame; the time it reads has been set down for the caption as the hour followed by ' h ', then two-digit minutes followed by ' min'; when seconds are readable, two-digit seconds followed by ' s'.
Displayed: 9 h 22 min
